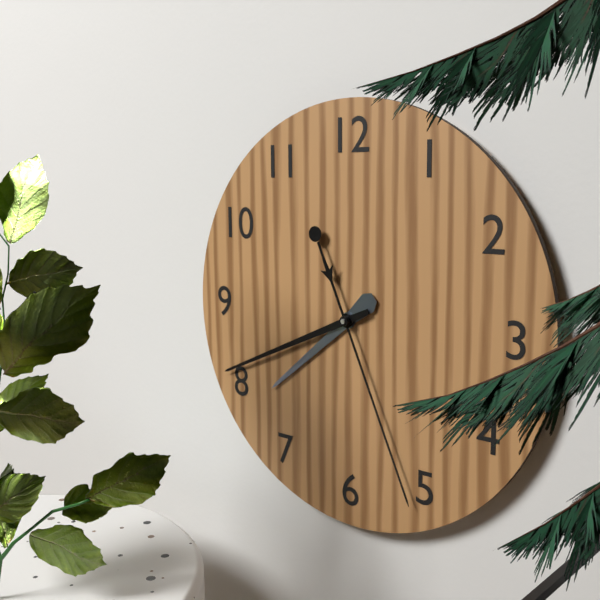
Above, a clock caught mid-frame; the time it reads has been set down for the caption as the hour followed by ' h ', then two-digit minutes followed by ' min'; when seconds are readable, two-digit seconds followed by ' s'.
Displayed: 7 h 41 min 26 s
